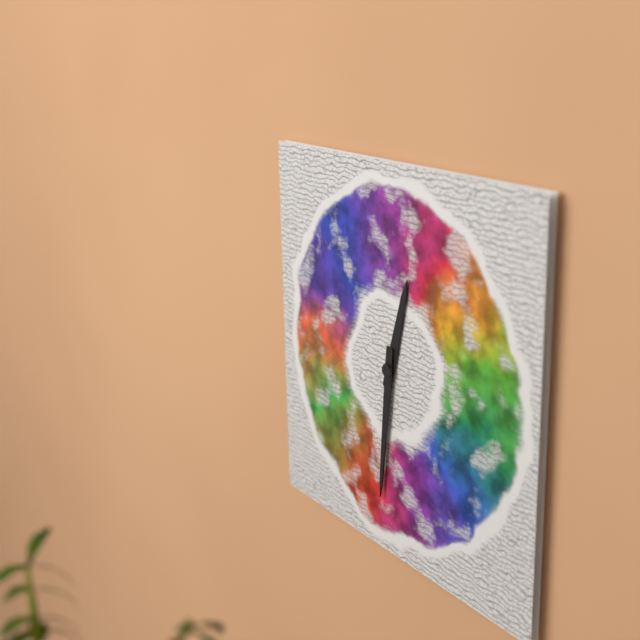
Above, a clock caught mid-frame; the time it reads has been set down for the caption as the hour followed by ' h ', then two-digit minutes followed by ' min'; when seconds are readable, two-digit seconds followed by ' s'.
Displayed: 12 h 31 min
